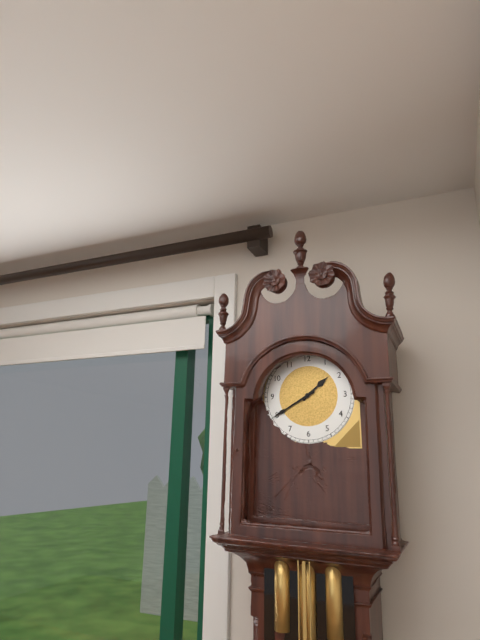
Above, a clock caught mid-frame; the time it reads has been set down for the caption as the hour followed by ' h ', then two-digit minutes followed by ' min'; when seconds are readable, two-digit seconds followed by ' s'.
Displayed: 1 h 40 min
